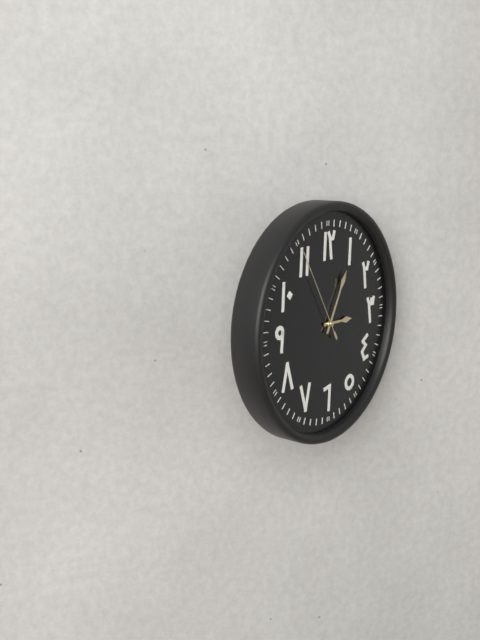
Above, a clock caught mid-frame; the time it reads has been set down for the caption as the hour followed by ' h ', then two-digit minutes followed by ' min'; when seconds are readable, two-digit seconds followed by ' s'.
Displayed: 3 h 05 min 55 s
